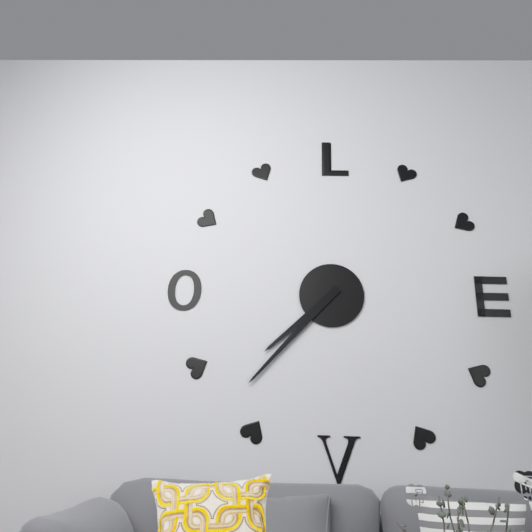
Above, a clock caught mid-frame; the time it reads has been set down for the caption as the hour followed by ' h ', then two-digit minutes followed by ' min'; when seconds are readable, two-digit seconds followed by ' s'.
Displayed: 7 h 37 min
